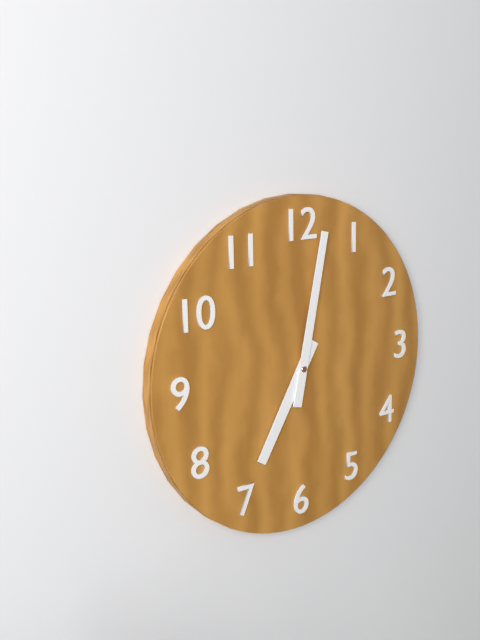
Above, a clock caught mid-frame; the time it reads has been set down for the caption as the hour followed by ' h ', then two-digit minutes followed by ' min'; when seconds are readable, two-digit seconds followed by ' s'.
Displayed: 7 h 02 min
